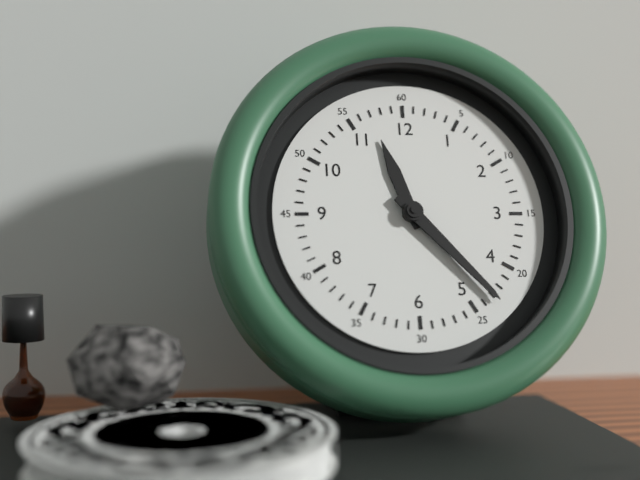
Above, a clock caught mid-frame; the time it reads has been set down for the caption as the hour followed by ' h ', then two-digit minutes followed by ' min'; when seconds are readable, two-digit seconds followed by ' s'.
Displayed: 11 h 23 min
